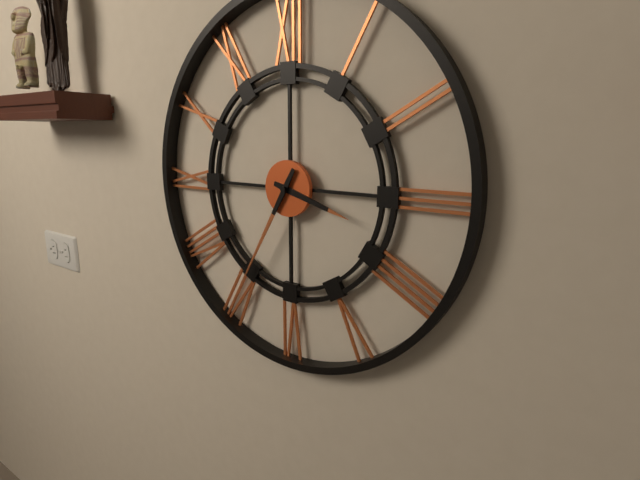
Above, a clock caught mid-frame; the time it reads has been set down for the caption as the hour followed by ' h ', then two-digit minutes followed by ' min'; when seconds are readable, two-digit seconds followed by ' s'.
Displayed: 3 h 35 min
